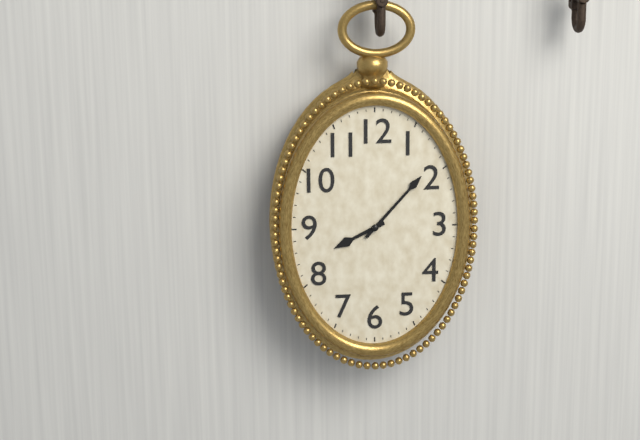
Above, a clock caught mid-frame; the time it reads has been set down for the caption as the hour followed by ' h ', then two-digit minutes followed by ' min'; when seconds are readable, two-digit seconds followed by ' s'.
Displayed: 8 h 07 min
